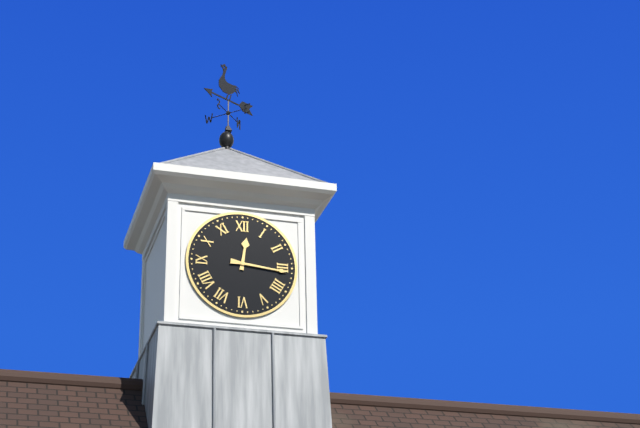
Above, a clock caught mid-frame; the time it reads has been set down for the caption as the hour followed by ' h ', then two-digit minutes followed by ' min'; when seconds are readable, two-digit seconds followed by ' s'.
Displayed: 12 h 16 min
